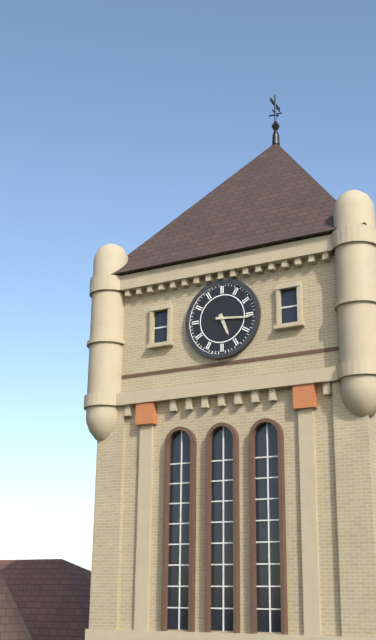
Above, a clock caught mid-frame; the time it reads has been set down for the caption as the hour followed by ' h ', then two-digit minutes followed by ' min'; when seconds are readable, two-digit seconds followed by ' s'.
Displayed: 5 h 16 min
